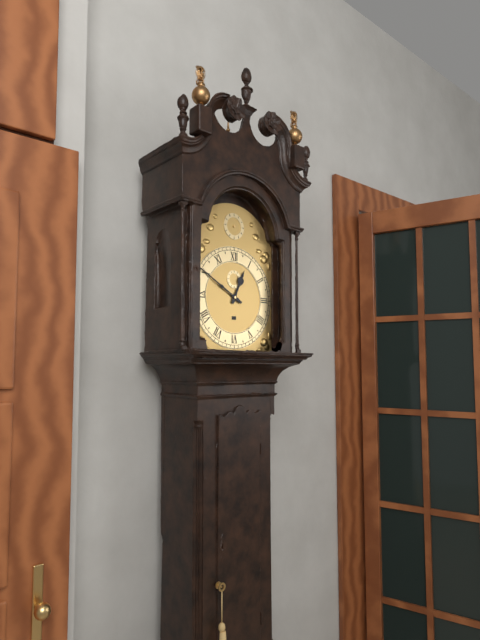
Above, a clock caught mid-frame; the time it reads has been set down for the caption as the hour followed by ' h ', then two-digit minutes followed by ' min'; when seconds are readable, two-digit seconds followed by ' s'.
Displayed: 12 h 50 min
